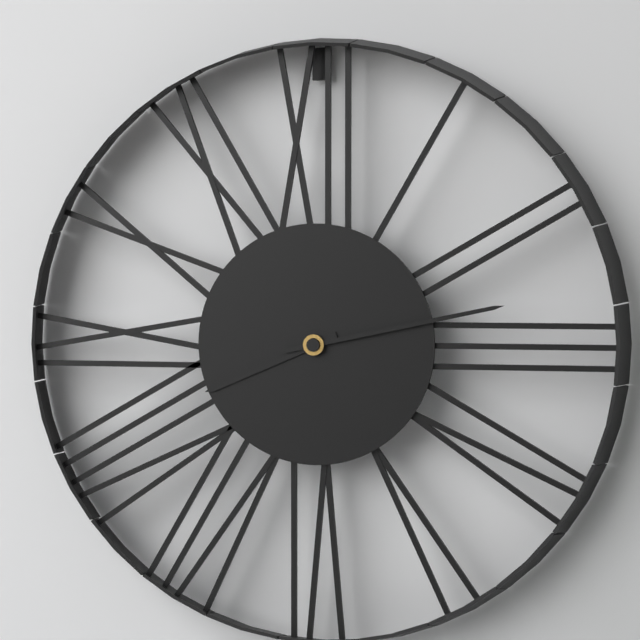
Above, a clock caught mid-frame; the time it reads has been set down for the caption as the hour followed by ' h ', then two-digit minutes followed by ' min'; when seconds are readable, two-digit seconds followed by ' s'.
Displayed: 8 h 13 min
